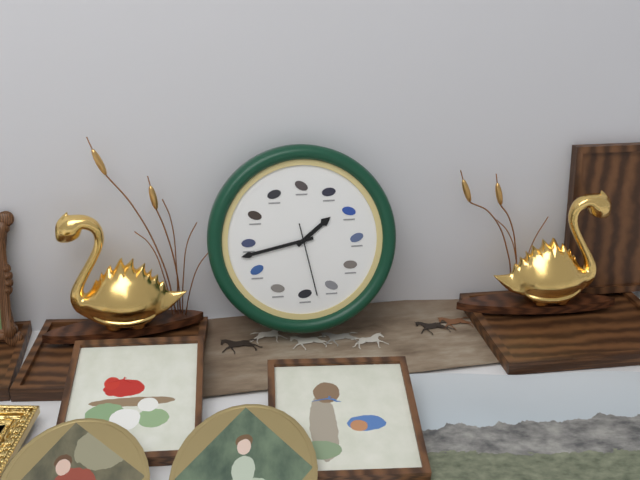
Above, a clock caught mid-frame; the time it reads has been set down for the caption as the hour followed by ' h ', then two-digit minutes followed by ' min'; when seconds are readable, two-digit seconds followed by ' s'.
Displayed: 1 h 43 min 28 s
